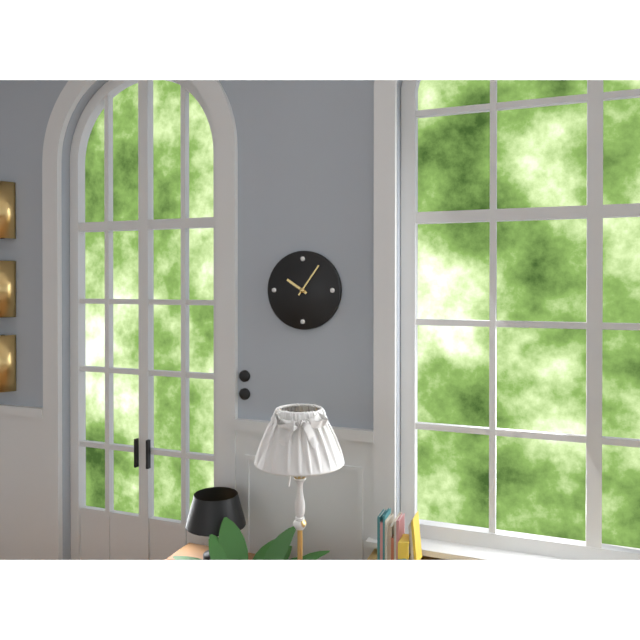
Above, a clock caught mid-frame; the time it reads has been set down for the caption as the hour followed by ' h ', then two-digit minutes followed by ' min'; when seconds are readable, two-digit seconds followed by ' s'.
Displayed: 10 h 06 min
